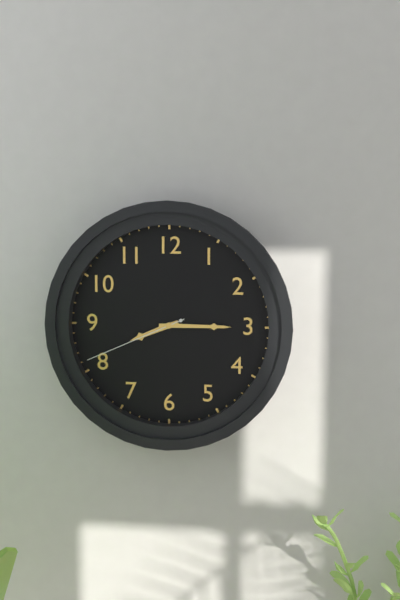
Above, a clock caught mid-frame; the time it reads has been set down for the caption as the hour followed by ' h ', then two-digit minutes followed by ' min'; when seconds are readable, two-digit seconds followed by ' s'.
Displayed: 8 h 15 min 41 s
